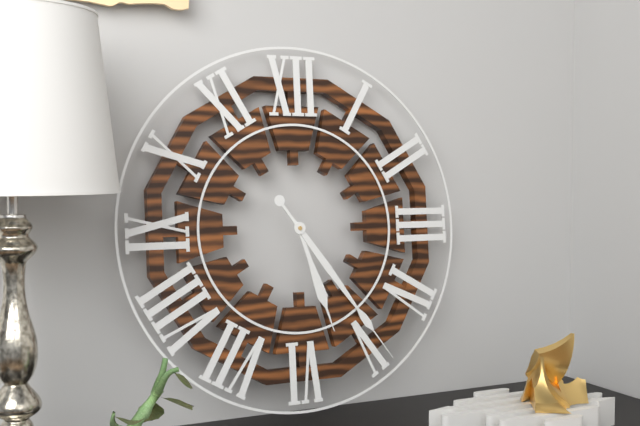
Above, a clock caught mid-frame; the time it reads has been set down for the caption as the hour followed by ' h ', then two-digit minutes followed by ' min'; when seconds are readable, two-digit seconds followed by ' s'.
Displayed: 5 h 24 min
